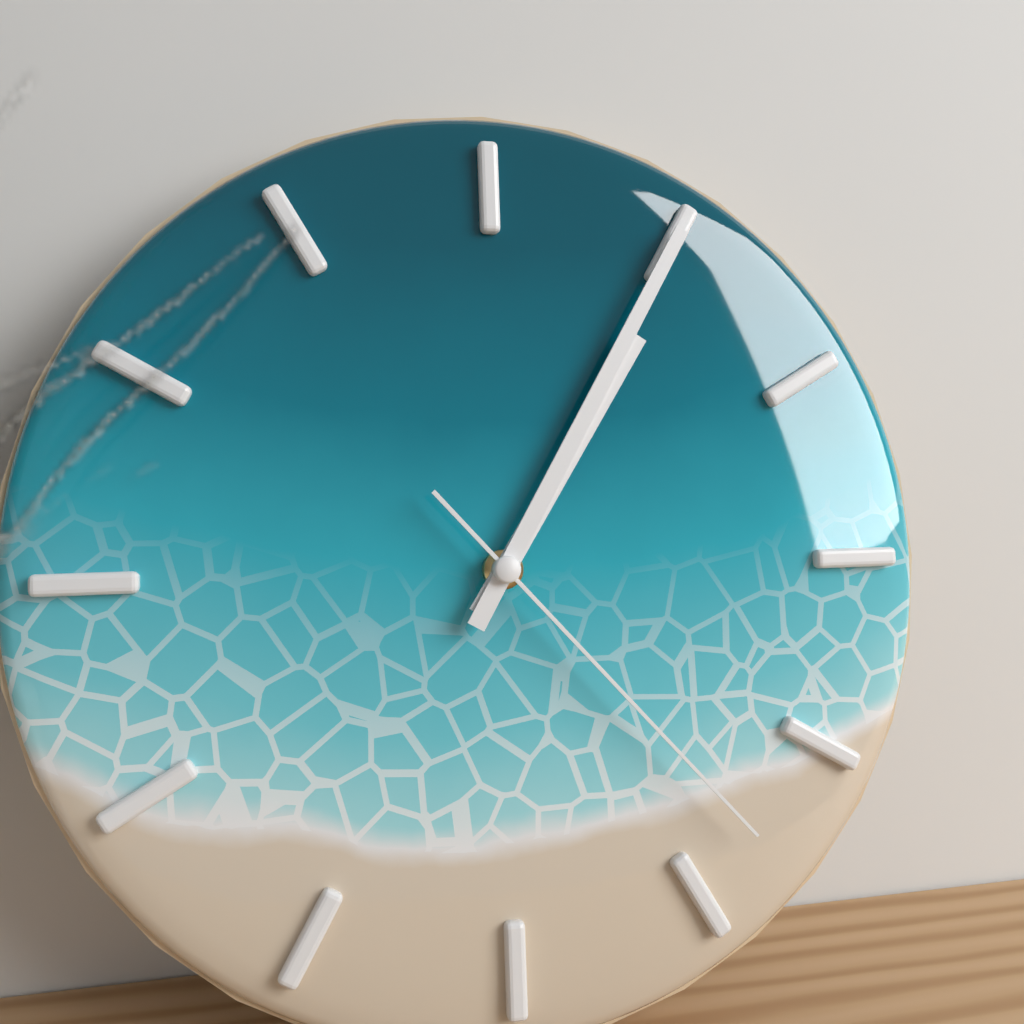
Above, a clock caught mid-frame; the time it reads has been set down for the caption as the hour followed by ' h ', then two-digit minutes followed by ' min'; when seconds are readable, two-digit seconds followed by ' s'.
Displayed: 1 h 05 min 23 s
